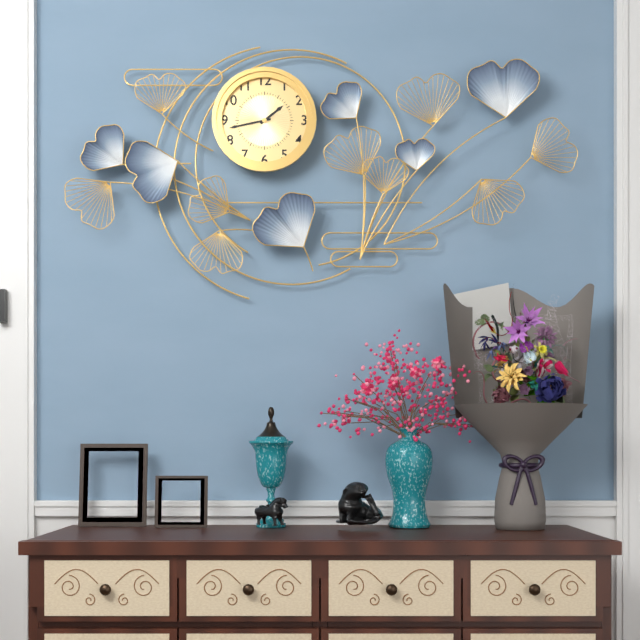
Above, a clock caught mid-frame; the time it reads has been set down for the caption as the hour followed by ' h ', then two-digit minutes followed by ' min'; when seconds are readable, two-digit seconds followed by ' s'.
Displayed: 1 h 43 min
